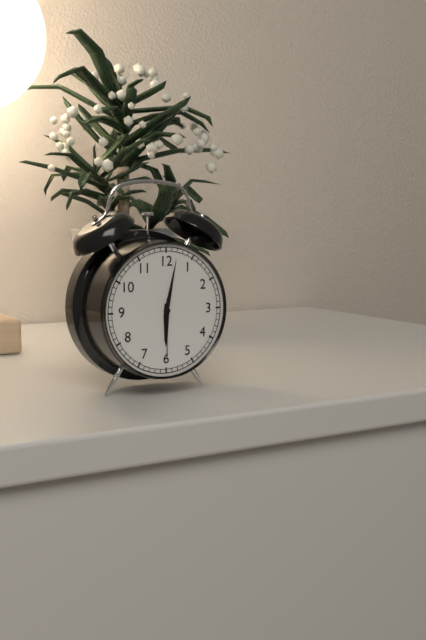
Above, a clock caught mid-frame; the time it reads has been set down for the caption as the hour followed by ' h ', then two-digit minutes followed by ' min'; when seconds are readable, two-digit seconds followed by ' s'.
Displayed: 6 h 02 min 30 s
